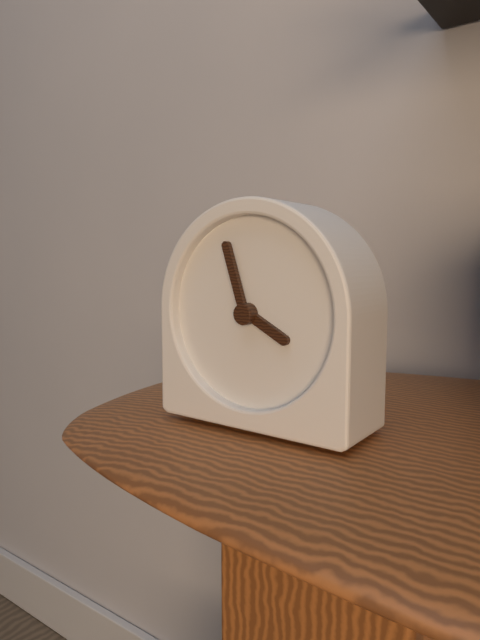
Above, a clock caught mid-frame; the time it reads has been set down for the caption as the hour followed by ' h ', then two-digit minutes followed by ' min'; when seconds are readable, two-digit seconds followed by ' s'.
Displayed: 3 h 57 min
